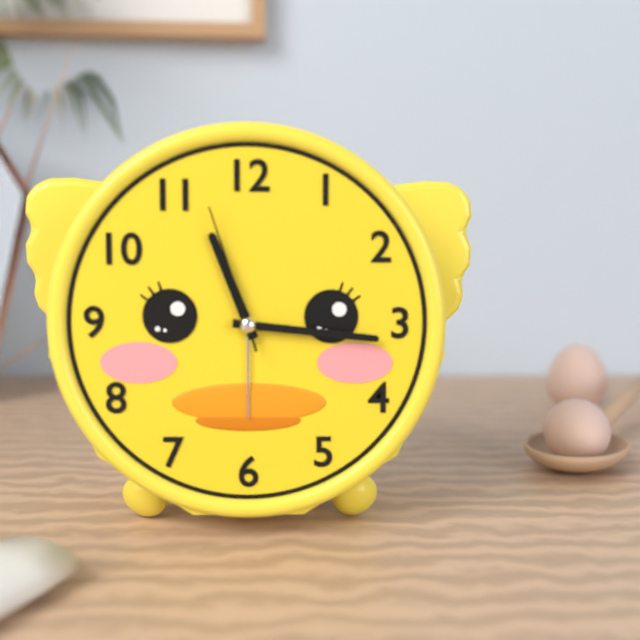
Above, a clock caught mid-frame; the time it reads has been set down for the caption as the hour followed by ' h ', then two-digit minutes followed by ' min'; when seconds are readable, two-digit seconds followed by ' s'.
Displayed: 11 h 16 min 57 s
